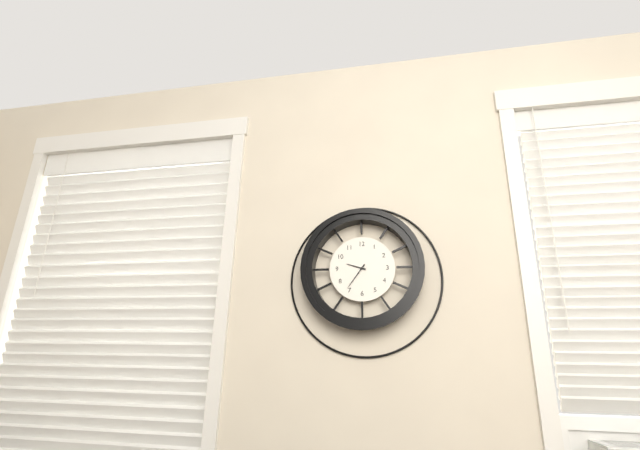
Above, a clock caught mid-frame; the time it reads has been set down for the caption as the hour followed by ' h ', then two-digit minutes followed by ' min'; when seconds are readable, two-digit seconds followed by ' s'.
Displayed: 9 h 36 min
